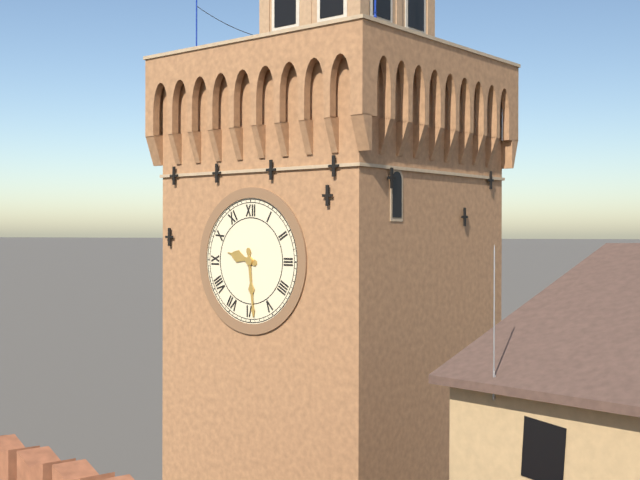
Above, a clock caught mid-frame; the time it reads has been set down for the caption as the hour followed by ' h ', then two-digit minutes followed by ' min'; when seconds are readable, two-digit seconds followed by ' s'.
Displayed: 9 h 29 min
